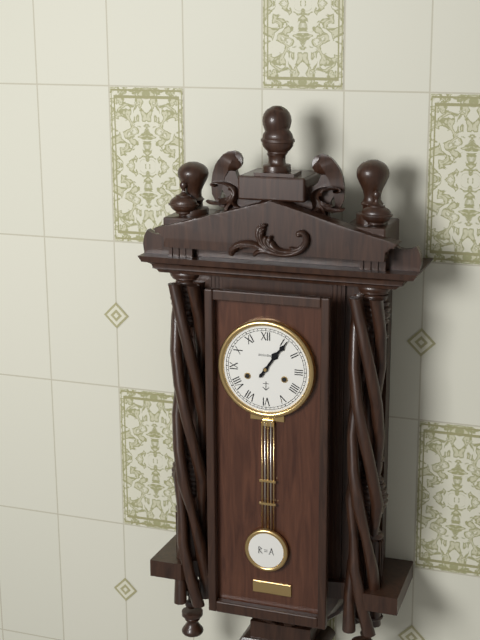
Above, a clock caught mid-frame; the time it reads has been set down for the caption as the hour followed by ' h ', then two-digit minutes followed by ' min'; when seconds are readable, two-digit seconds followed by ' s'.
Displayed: 1 h 06 min
